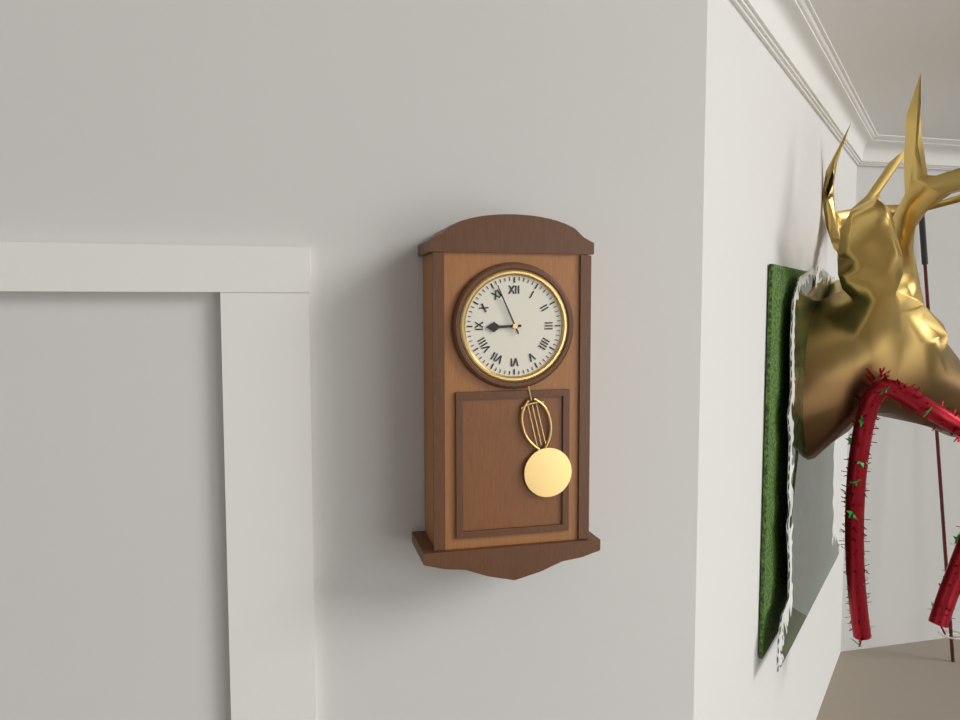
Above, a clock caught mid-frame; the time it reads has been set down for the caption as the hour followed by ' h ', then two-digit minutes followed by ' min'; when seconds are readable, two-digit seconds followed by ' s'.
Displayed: 8 h 56 min
